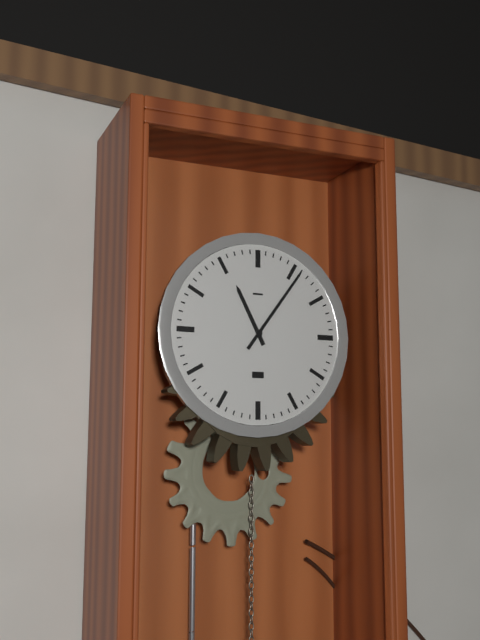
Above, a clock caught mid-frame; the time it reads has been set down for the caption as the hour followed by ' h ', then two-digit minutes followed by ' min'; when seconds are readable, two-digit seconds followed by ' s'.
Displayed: 11 h 06 min
